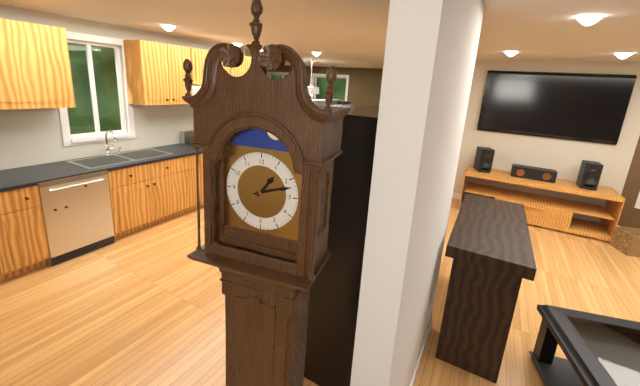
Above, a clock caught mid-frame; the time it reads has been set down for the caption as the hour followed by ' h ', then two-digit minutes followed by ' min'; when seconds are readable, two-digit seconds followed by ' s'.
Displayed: 1 h 12 min
